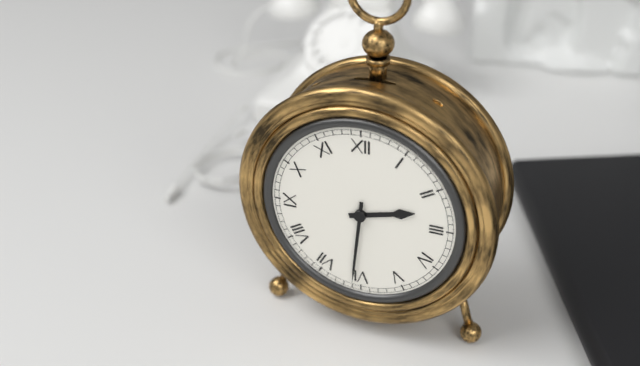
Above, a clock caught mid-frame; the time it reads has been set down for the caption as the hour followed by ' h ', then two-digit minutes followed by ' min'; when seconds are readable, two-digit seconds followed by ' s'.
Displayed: 2 h 31 min
